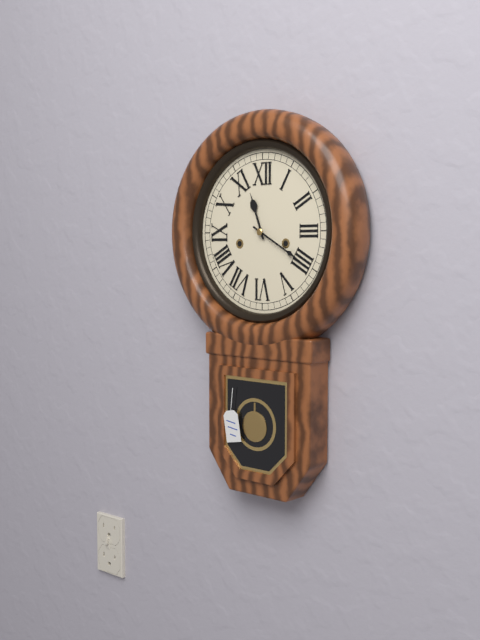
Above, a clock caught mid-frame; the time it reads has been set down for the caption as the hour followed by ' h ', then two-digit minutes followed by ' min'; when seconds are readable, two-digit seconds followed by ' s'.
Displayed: 11 h 20 min
